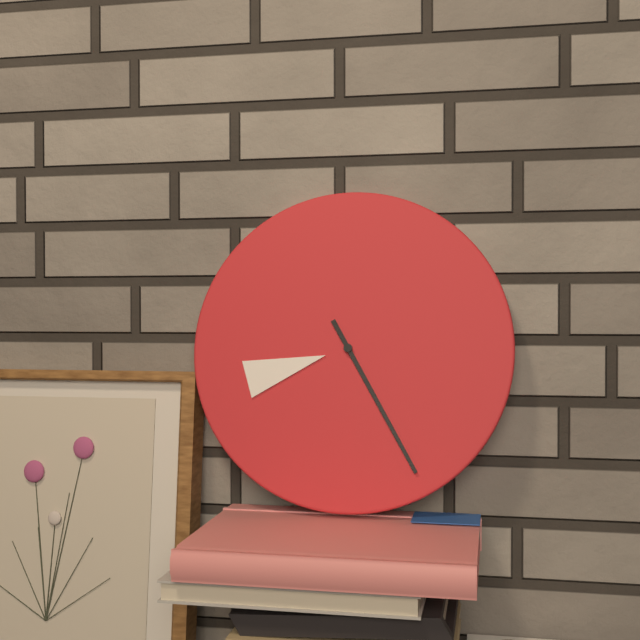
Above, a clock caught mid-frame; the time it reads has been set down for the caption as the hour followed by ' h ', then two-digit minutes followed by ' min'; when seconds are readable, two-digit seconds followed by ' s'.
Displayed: 8 h 25 min
